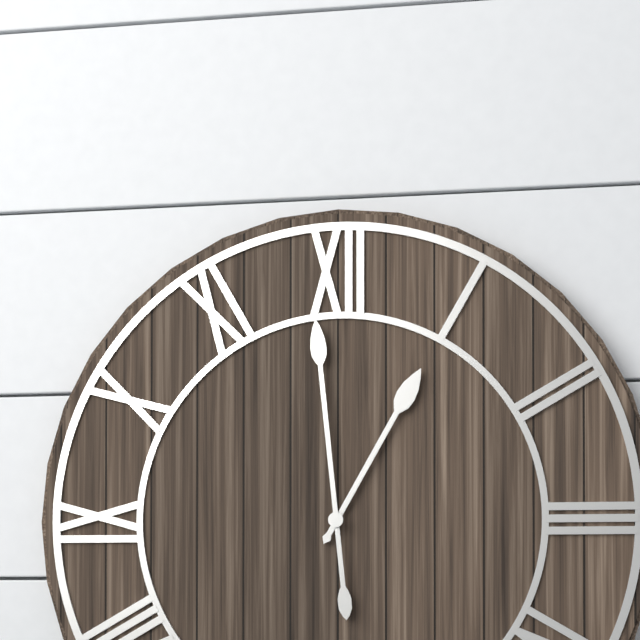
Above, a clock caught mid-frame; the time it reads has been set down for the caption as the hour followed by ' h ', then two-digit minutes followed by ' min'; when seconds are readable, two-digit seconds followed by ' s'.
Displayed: 12 h 59 min
